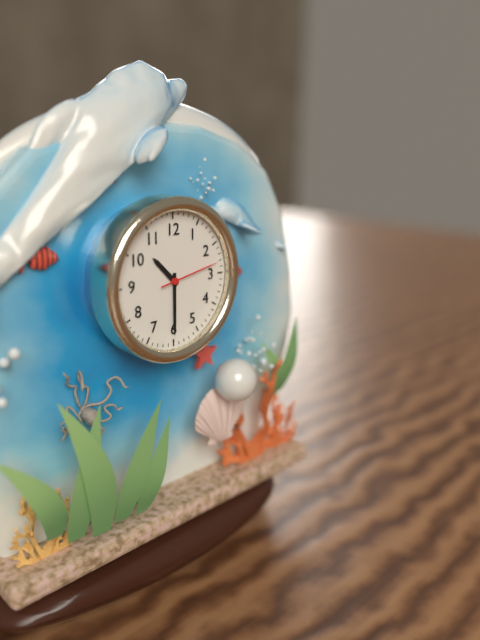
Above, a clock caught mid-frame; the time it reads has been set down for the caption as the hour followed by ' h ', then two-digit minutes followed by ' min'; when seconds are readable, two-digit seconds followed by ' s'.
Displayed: 10 h 30 min 13 s
